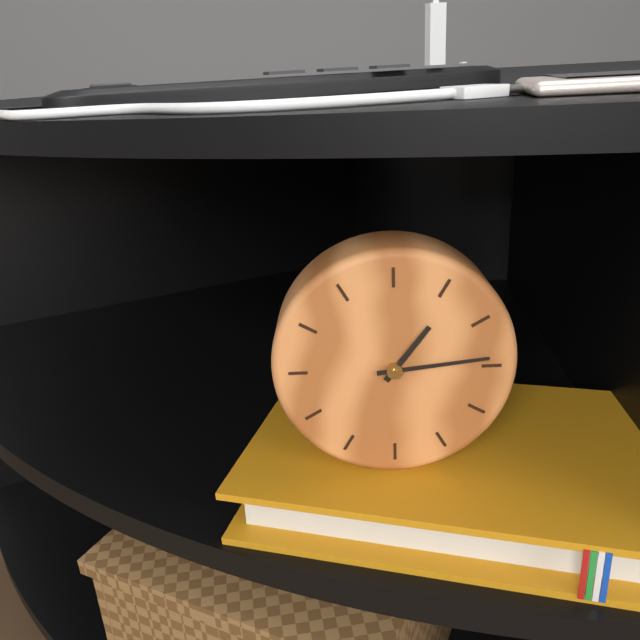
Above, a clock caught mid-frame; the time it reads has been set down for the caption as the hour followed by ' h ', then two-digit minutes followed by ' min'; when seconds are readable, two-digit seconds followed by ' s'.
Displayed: 1 h 14 min
